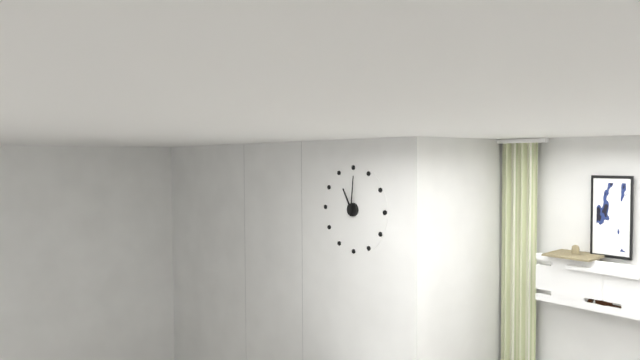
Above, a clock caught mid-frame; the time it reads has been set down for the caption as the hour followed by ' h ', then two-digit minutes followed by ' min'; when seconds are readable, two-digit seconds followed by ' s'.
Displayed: 11 h 01 min
